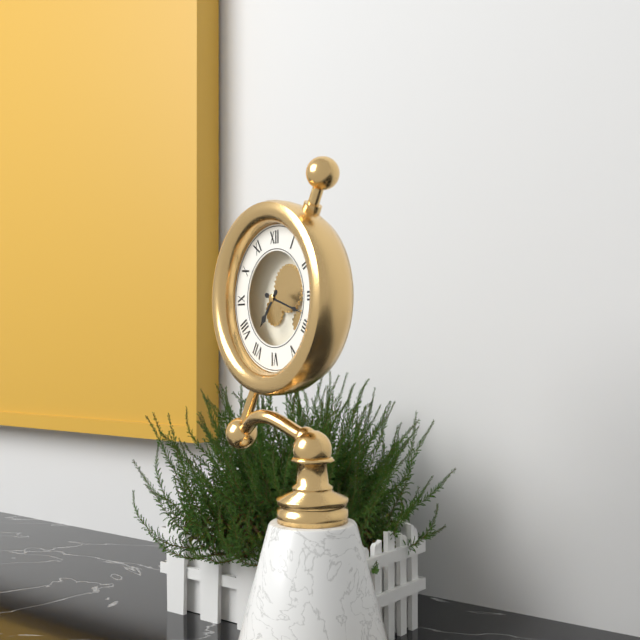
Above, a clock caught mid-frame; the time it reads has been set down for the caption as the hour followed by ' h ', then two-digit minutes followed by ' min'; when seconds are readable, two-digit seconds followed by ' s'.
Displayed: 7 h 18 min
